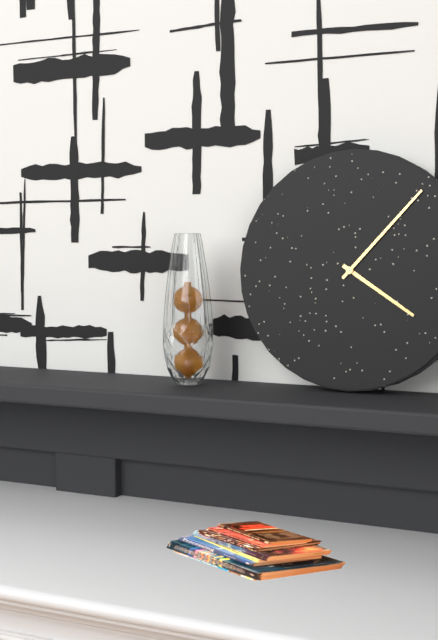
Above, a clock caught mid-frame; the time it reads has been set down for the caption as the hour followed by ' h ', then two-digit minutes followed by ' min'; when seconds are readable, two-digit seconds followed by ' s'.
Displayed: 4 h 07 min
